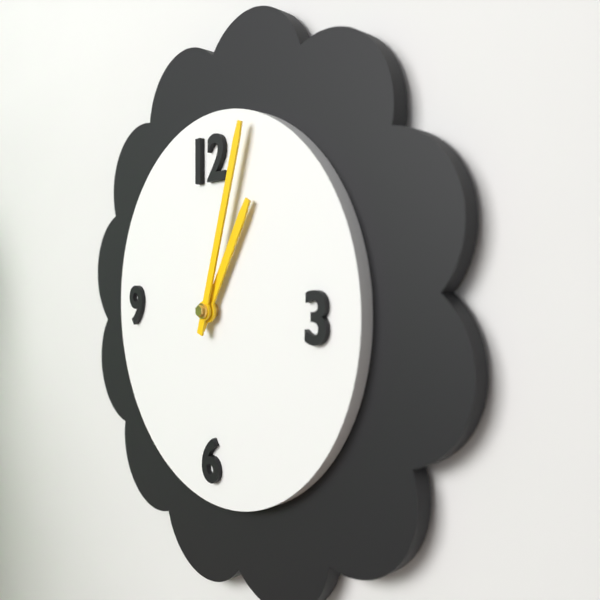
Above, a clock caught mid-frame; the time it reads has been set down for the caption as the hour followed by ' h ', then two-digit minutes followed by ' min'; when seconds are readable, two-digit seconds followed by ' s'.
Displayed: 1 h 03 min
